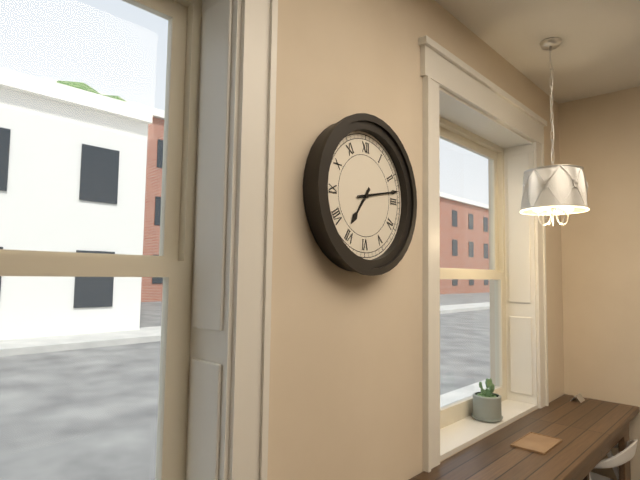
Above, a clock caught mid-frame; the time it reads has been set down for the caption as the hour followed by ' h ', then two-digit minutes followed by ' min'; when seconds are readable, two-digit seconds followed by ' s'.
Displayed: 7 h 13 min
